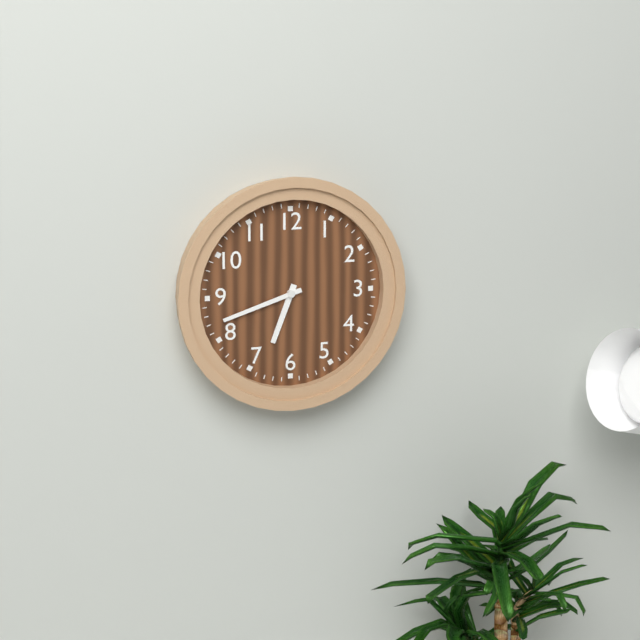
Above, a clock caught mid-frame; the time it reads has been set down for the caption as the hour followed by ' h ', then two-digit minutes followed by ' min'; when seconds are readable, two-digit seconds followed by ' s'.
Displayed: 6 h 42 min
